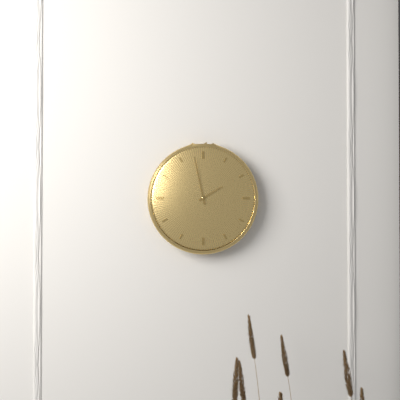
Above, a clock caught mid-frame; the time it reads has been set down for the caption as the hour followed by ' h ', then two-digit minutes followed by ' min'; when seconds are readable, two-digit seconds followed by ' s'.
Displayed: 1 h 58 min
